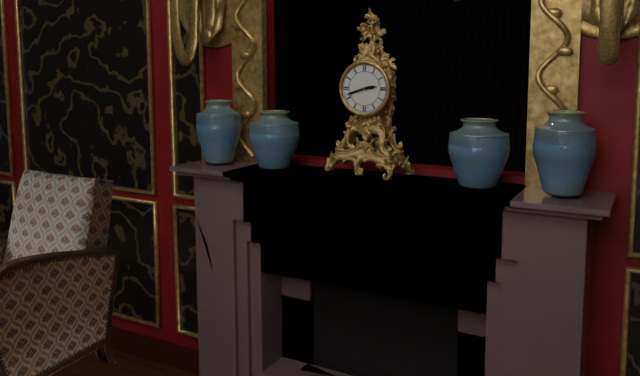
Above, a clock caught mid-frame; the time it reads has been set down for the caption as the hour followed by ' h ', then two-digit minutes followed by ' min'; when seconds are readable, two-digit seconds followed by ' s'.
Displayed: 2 h 42 min
